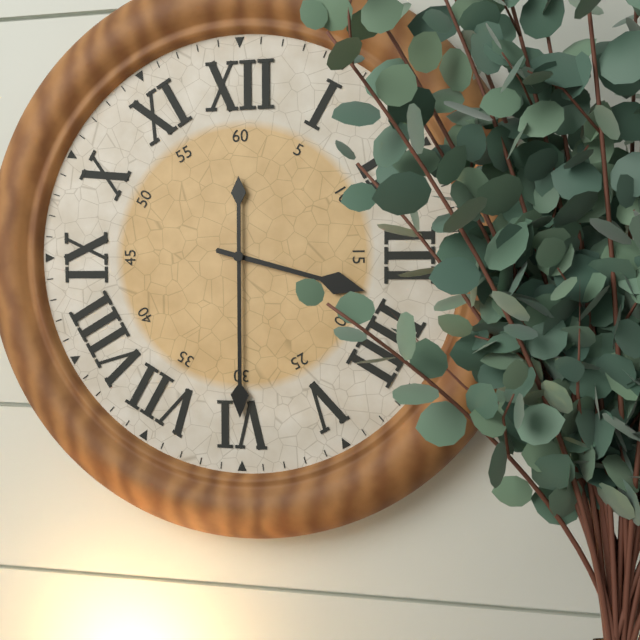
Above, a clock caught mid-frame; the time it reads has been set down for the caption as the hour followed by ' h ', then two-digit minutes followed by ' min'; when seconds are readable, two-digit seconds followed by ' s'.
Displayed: 3 h 30 min
